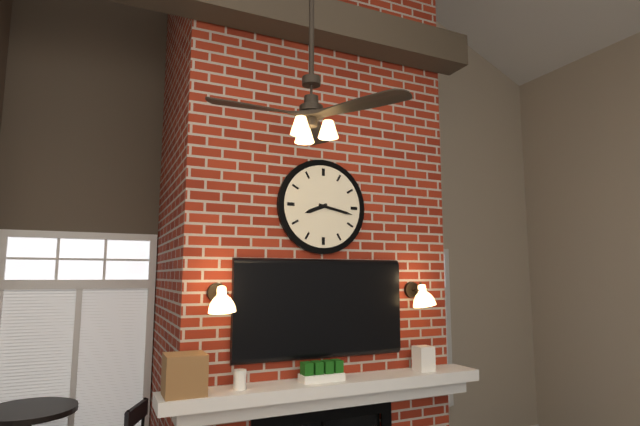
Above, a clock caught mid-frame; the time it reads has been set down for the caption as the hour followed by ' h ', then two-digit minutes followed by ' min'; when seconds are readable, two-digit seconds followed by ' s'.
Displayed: 8 h 17 min
